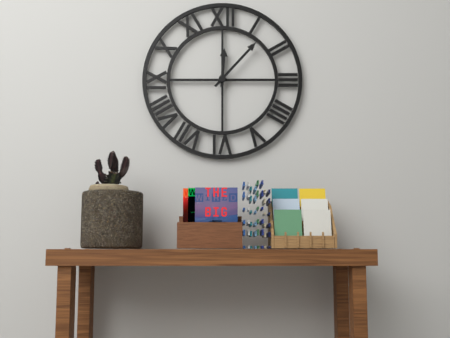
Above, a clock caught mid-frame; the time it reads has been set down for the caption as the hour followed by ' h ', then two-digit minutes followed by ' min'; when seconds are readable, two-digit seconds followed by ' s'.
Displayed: 12 h 07 min
